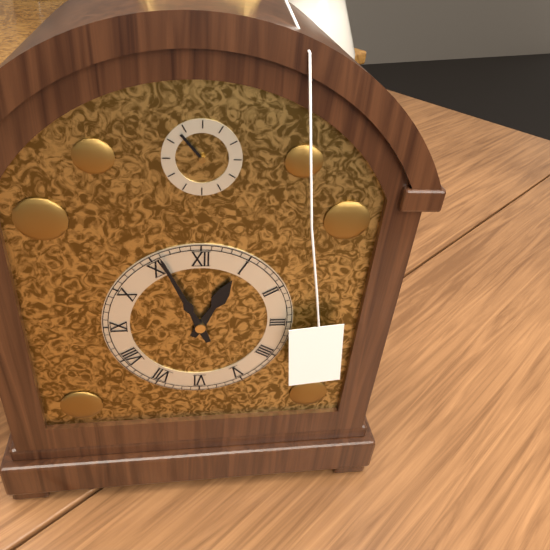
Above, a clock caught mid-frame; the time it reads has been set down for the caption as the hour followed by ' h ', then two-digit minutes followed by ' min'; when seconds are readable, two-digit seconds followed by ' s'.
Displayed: 12 h 56 min
